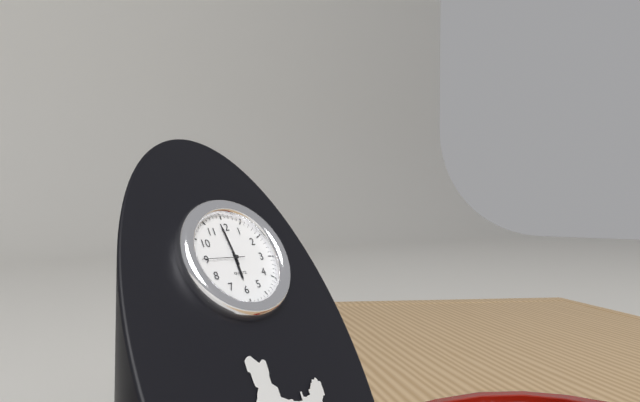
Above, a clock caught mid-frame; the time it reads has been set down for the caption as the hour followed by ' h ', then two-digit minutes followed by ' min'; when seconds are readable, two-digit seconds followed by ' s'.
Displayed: 5 h 59 min
